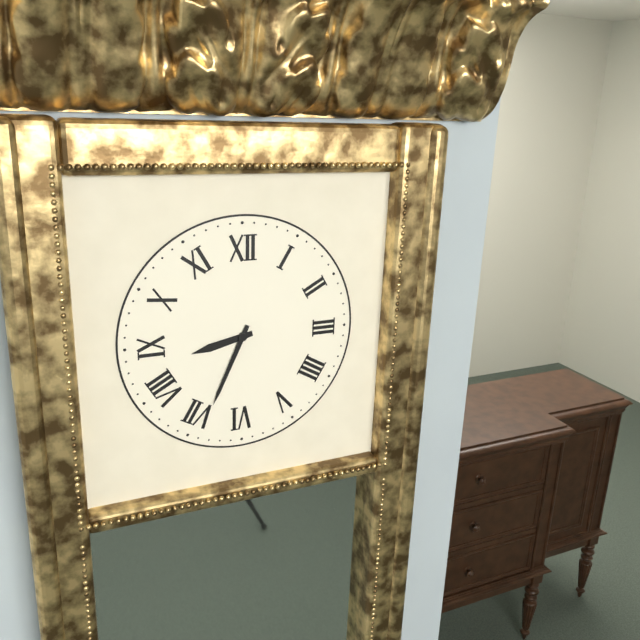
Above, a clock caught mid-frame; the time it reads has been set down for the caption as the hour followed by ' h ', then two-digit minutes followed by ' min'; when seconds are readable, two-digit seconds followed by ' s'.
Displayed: 8 h 34 min
